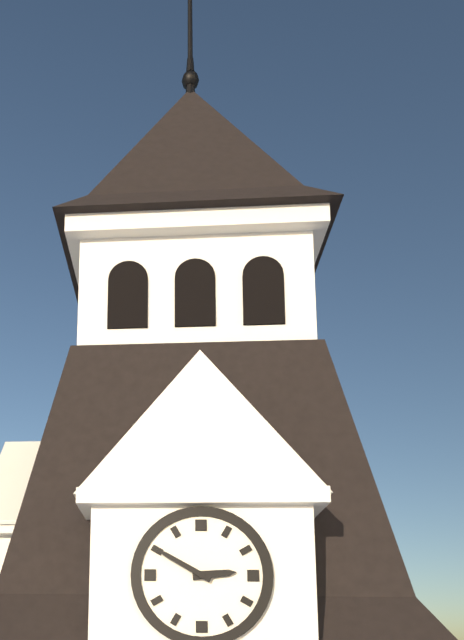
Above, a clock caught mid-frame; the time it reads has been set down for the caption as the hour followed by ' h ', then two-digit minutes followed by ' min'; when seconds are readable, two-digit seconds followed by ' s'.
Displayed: 2 h 50 min
